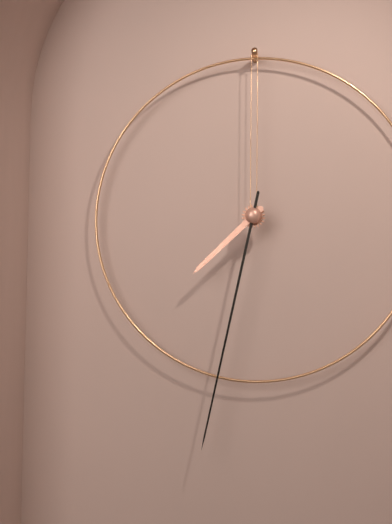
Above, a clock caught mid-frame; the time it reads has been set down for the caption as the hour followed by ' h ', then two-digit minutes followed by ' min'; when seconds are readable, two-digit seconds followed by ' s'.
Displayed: 7 h 32 min
